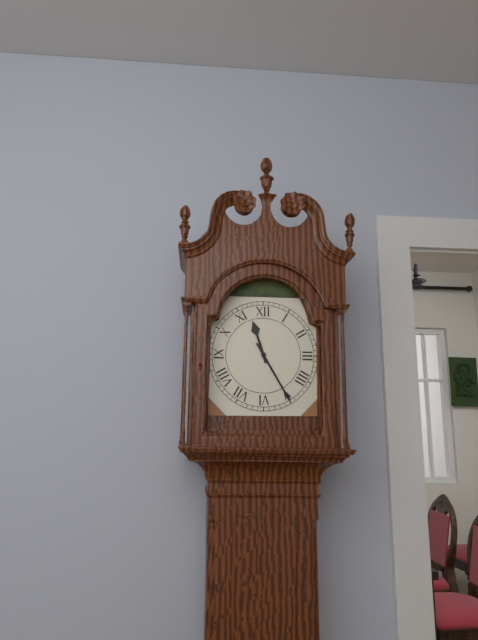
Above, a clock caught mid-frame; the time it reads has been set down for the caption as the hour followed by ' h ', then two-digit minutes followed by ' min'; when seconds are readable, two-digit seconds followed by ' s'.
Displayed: 11 h 25 min
